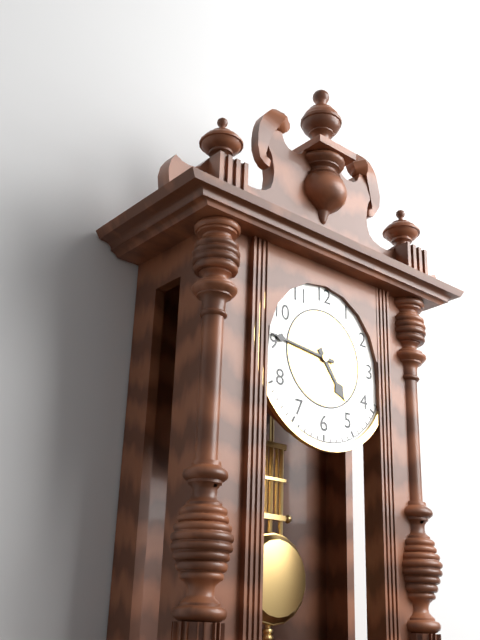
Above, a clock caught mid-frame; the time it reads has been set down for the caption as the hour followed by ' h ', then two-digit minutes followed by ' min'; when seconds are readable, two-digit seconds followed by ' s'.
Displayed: 4 h 46 min
